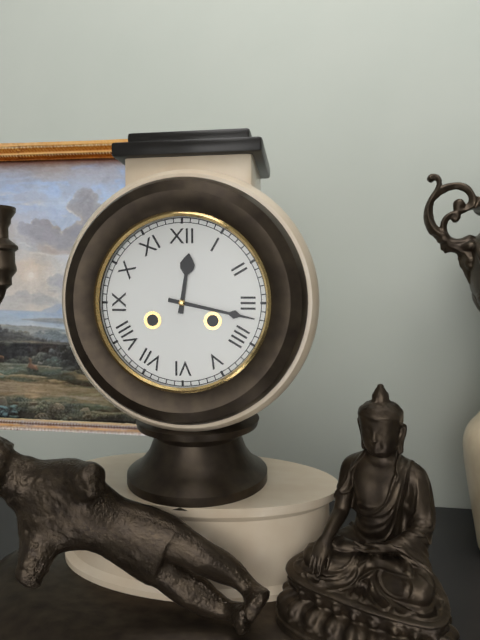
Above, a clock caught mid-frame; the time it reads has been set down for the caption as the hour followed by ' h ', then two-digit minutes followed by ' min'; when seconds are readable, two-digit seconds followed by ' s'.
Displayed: 12 h 17 min
